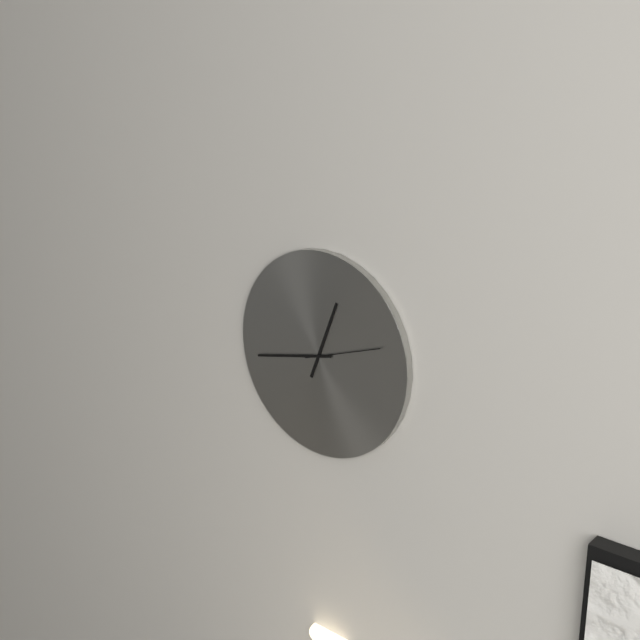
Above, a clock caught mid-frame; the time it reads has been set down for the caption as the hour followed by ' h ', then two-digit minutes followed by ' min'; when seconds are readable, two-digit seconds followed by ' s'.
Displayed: 12 h 43 min 12 s
